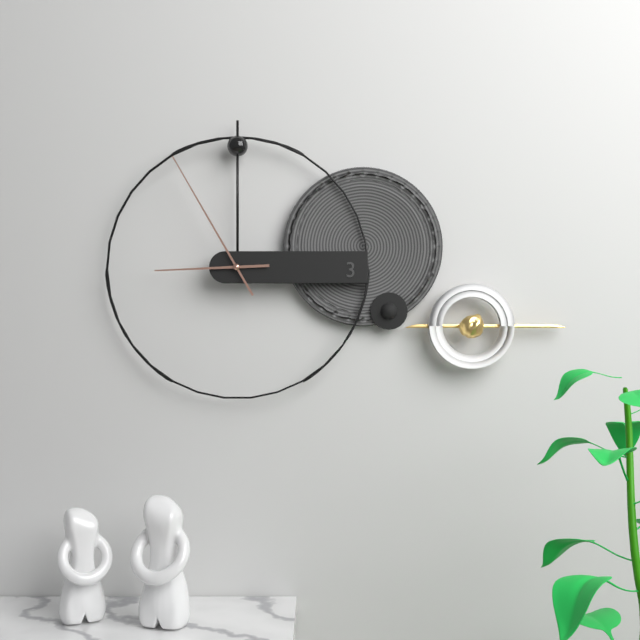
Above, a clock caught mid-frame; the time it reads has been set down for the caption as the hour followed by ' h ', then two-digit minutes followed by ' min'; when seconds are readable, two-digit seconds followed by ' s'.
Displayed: 8 h 55 min
